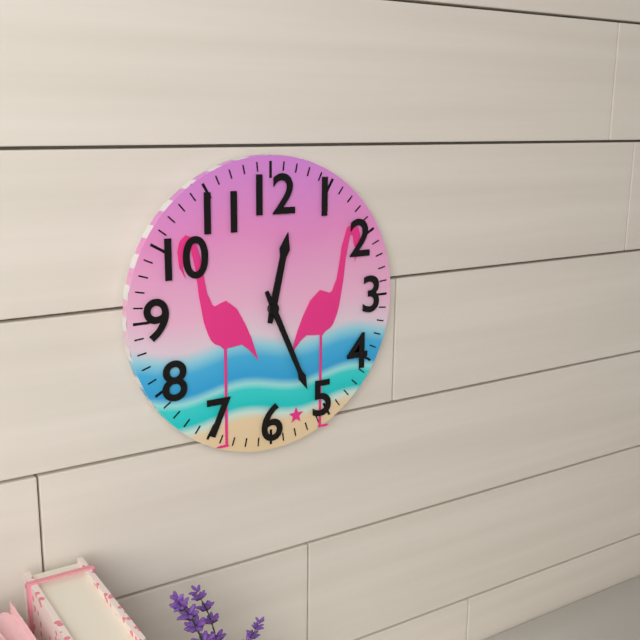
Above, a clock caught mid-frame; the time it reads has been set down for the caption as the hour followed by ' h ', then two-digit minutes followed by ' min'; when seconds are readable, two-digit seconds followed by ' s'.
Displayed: 12 h 26 min
